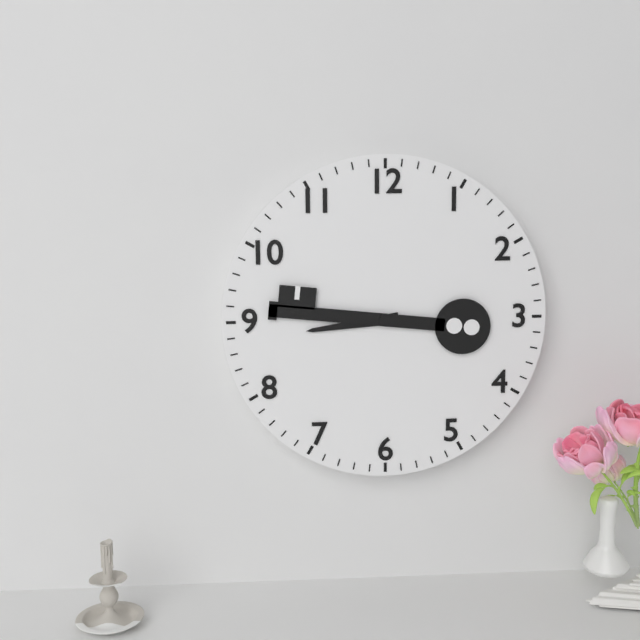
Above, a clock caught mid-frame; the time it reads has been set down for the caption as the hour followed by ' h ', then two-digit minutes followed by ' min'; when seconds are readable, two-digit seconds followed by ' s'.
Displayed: 8 h 46 min
